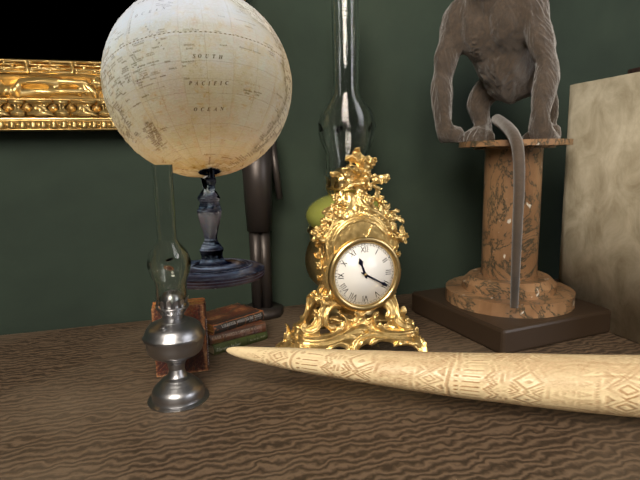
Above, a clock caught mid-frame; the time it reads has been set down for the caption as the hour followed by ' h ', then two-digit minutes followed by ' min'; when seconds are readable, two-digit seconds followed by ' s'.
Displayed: 11 h 20 min
